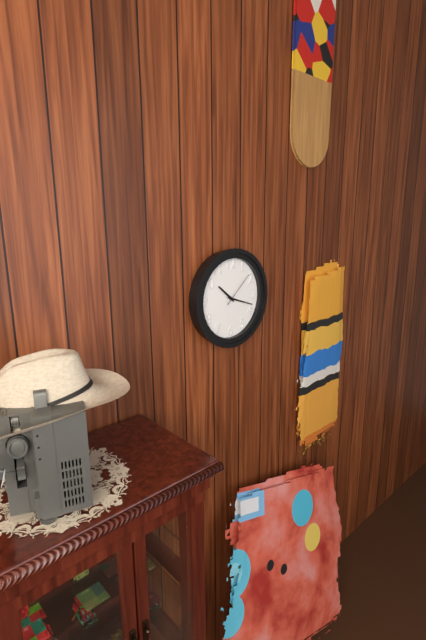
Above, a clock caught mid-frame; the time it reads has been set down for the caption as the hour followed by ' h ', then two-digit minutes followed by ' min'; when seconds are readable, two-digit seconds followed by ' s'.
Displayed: 10 h 18 min
